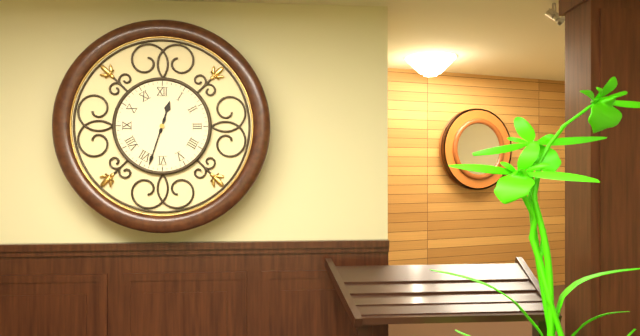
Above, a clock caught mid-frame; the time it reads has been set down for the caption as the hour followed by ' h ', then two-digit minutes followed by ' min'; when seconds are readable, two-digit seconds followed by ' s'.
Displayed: 12 h 33 min
